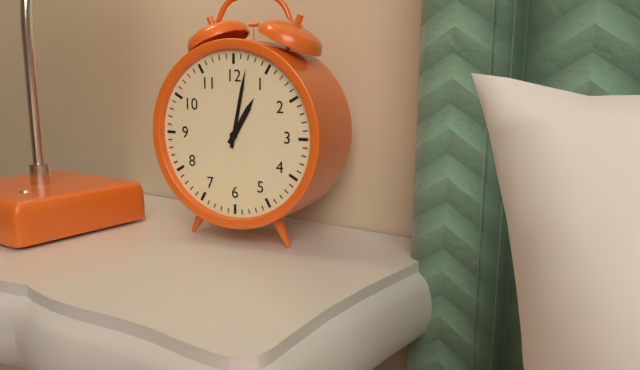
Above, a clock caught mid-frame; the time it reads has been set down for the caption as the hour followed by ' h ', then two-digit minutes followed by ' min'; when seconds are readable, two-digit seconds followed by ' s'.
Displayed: 1 h 02 min
